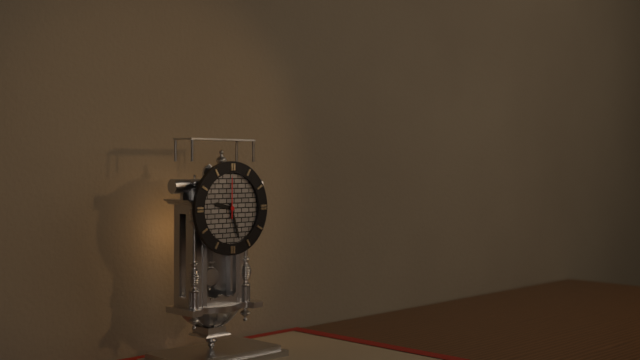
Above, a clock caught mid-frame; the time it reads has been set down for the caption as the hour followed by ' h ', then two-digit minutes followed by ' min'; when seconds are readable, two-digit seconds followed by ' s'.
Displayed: 9 h 27 min
